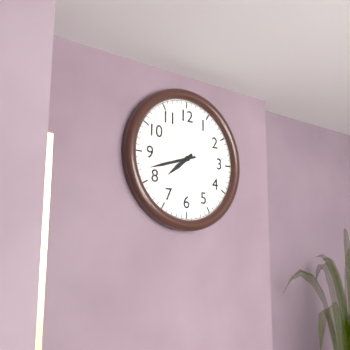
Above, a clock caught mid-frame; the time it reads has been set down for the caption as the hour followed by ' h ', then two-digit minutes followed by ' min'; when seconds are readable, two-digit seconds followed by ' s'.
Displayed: 7 h 42 min
